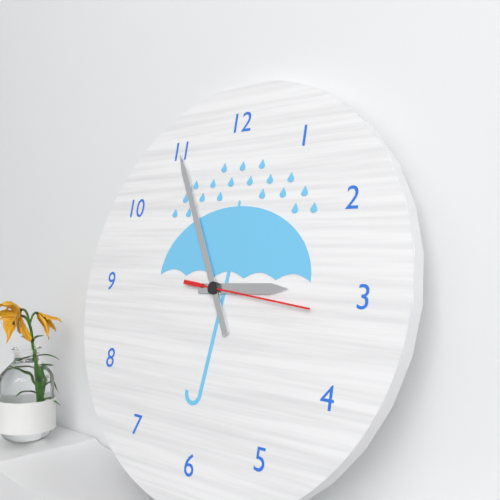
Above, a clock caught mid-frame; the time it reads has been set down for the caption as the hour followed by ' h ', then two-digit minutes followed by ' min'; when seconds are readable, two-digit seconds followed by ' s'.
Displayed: 2 h 55 min 16 s
